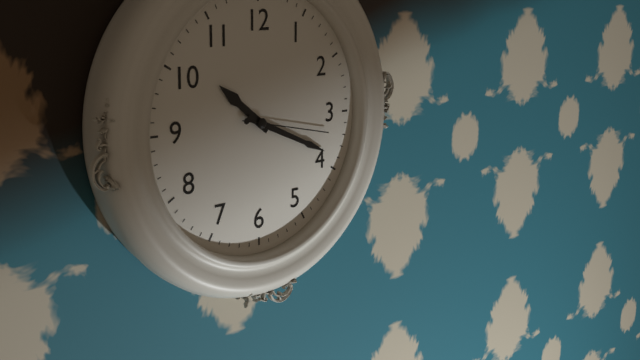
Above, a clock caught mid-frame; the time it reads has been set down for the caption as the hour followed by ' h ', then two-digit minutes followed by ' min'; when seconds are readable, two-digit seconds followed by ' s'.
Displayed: 10 h 19 min 17 s
